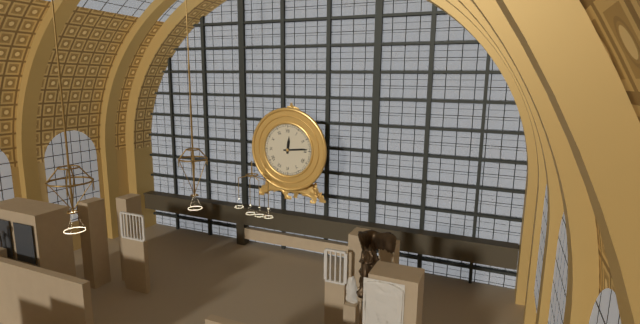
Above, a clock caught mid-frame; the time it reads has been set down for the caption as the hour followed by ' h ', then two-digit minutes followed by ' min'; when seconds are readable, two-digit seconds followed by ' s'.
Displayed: 12 h 14 min
